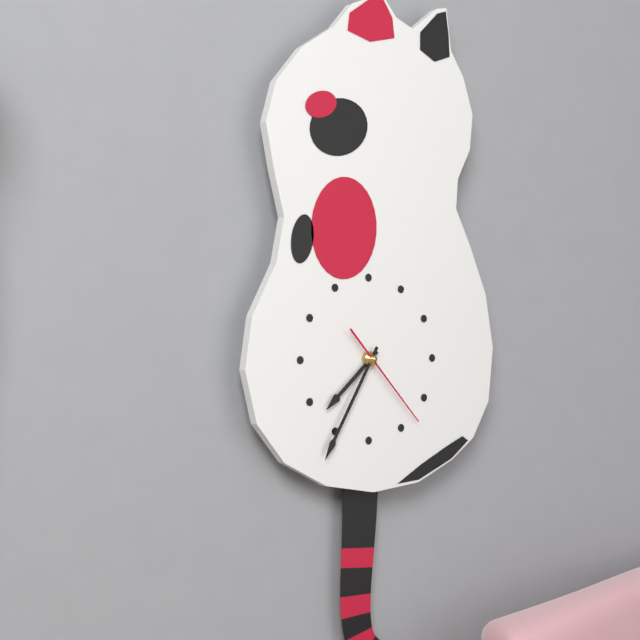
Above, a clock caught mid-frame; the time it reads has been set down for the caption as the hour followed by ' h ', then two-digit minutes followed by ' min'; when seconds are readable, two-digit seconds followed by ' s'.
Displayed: 7 h 35 min 23 s
